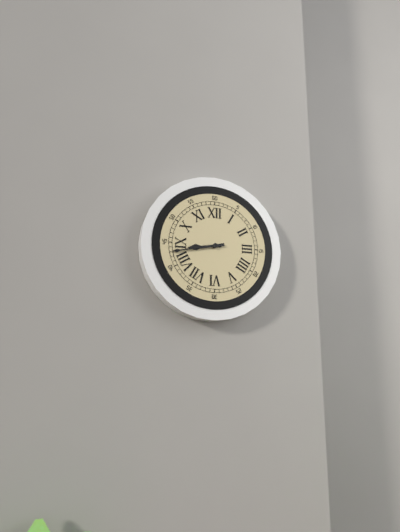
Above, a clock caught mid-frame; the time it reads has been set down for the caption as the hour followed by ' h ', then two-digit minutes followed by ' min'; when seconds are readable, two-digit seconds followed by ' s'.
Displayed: 8 h 43 min
